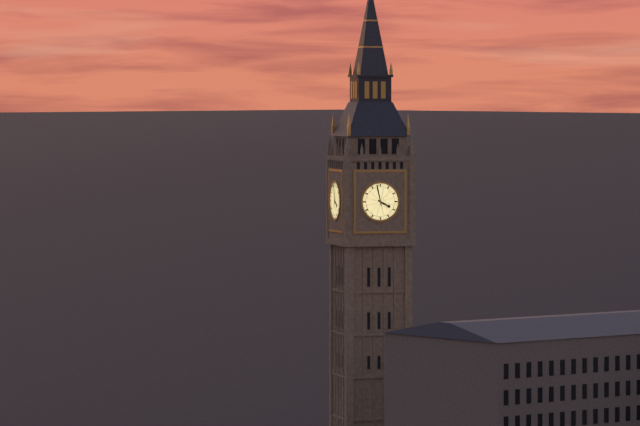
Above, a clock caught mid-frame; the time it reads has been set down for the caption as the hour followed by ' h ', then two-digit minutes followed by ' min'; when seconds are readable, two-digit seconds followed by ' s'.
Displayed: 3 h 58 min
